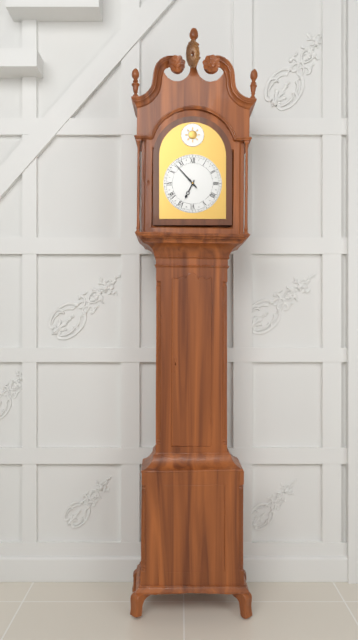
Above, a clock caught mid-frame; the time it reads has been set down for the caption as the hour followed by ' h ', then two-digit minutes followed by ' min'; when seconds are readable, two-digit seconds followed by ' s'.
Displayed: 6 h 53 min
